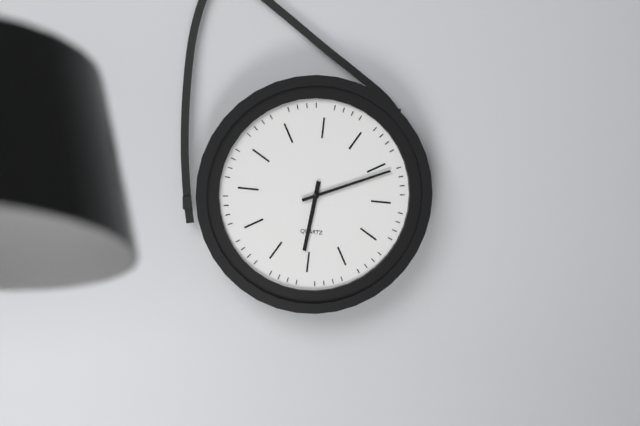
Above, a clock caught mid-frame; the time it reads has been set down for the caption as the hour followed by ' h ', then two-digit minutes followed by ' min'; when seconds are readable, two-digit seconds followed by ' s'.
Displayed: 6 h 11 min
